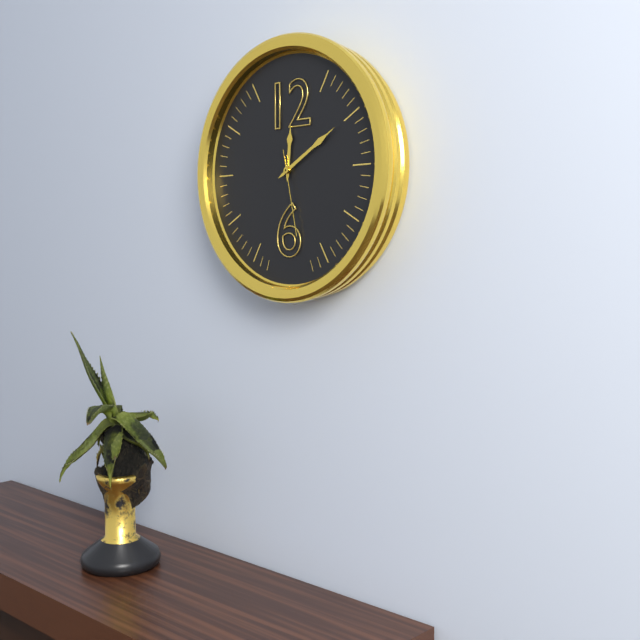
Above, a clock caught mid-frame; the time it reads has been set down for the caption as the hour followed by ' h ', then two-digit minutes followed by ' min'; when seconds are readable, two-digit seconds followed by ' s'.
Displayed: 12 h 10 min 28 s
